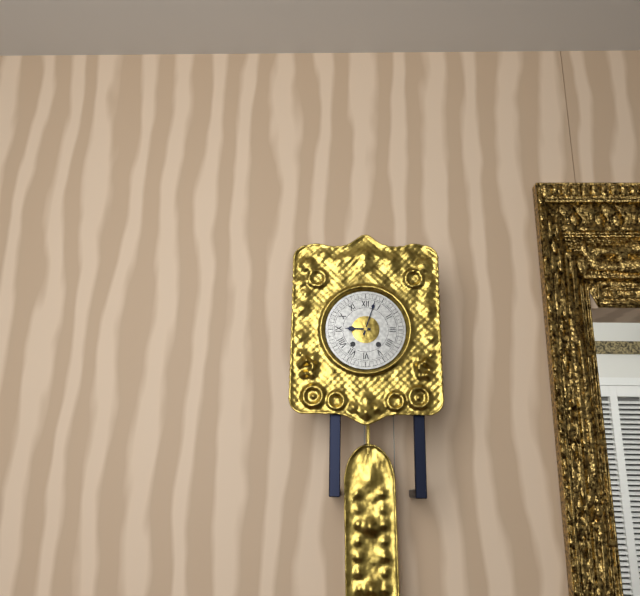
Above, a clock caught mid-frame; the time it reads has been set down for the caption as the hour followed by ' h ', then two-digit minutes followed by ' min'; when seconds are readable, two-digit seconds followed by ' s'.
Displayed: 9 h 03 min
